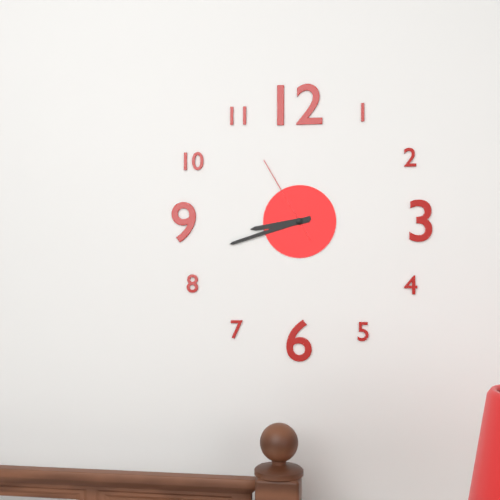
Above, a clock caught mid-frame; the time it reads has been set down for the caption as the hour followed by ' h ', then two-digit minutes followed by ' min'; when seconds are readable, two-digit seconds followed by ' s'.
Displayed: 8 h 42 min 55 s
